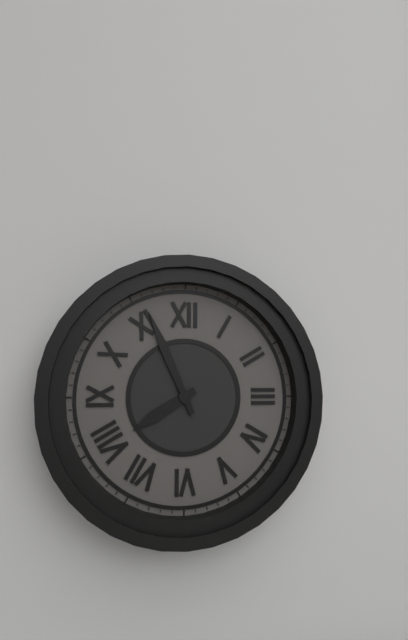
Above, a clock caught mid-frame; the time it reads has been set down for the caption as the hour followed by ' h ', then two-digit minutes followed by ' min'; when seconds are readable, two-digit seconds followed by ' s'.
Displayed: 7 h 56 min
